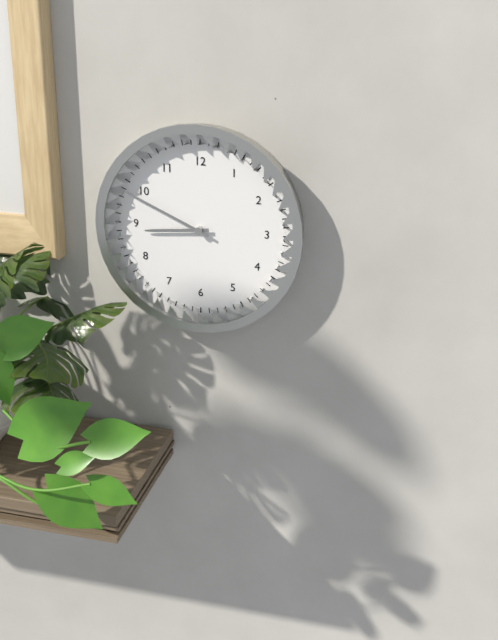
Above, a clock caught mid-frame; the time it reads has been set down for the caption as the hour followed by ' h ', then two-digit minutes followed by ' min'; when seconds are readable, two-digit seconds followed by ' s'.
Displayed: 8 h 49 min
